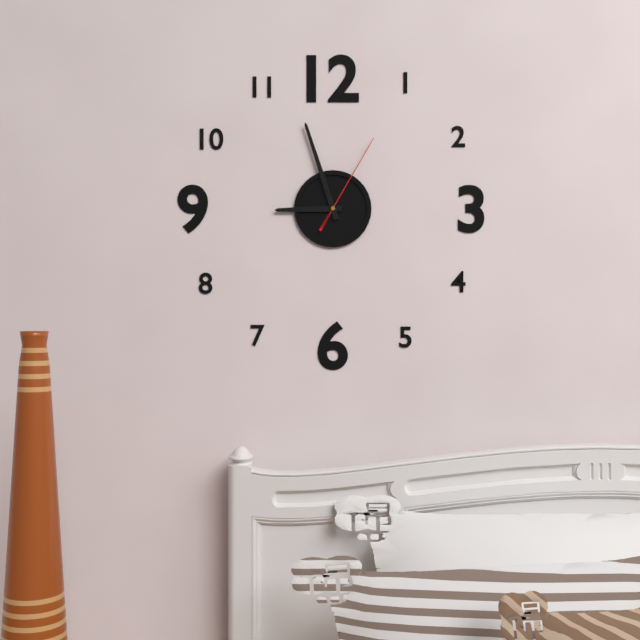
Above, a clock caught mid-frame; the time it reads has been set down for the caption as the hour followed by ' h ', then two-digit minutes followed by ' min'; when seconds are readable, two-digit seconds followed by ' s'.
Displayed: 8 h 57 min 05 s
